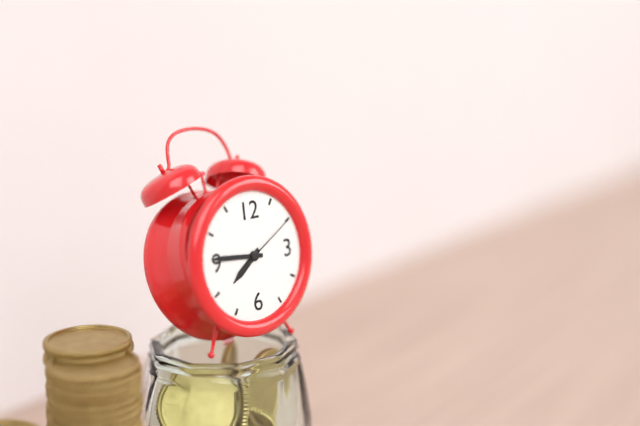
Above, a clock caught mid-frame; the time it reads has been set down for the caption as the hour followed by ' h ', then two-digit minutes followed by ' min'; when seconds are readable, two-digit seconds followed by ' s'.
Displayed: 7 h 46 min 10 s
